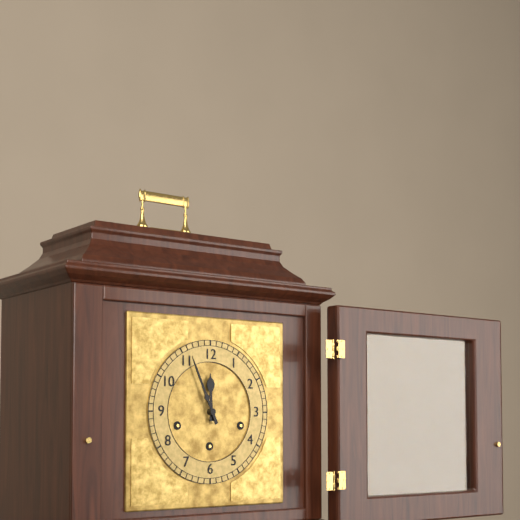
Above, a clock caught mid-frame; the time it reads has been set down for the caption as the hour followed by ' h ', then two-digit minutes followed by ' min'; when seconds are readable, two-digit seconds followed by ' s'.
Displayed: 11 h 56 min
